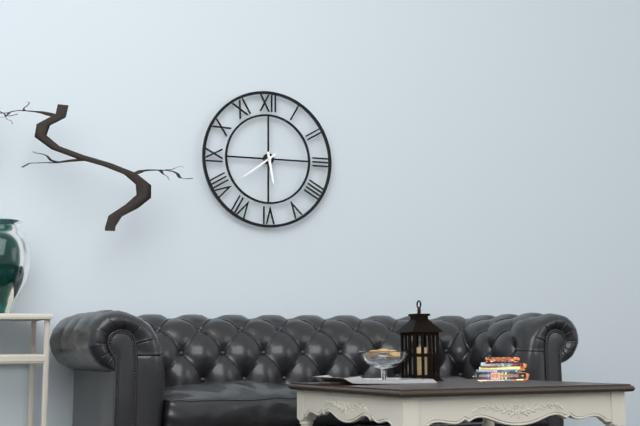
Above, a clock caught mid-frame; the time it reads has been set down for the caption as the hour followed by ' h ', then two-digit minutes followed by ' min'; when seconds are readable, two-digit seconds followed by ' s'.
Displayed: 5 h 39 min
